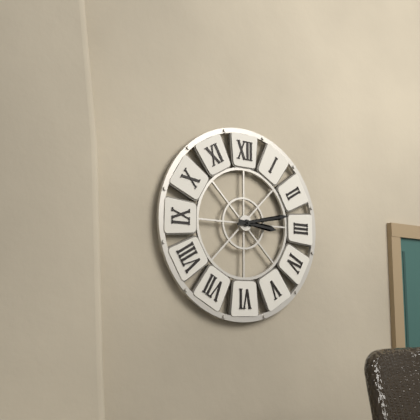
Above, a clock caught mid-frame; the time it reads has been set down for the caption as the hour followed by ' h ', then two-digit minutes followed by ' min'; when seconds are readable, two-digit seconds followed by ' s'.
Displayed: 3 h 13 min
